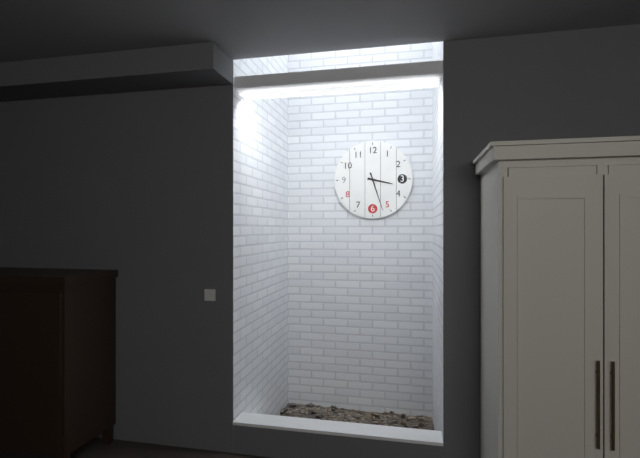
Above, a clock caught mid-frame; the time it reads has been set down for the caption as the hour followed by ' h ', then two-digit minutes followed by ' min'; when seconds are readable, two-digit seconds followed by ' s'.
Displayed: 3 h 27 min
